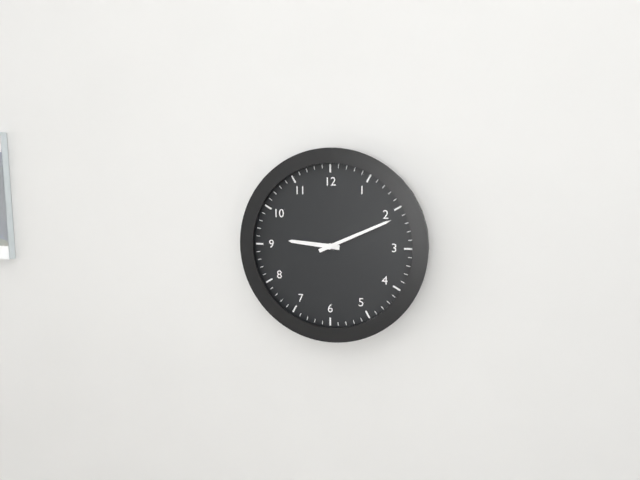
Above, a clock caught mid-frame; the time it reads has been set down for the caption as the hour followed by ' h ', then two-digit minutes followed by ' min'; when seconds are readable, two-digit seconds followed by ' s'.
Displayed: 9 h 11 min
